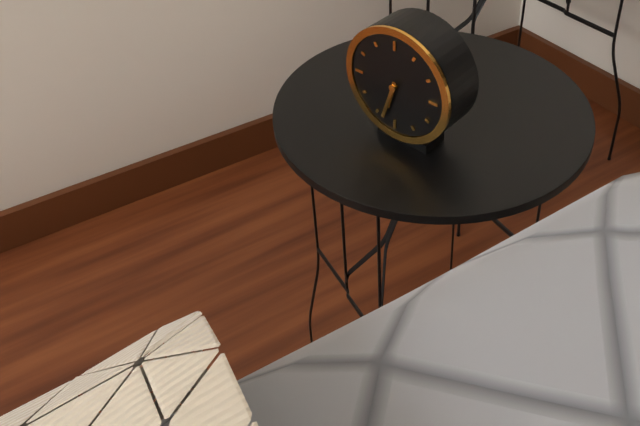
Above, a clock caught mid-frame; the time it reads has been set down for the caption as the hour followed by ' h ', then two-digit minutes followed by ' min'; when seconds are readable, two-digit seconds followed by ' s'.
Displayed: 6 h 33 min
